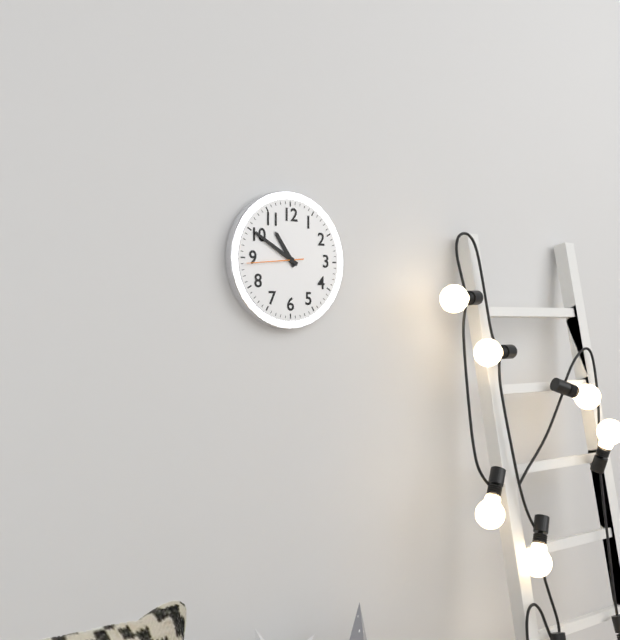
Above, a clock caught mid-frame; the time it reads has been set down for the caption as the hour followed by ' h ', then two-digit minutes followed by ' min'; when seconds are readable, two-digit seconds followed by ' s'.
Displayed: 10 h 50 min 44 s
